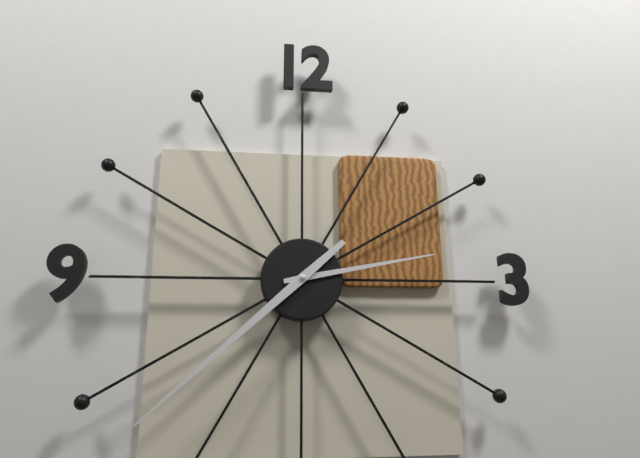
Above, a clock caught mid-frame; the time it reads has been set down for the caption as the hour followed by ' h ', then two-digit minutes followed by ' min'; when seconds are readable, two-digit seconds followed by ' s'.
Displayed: 2 h 38 min
